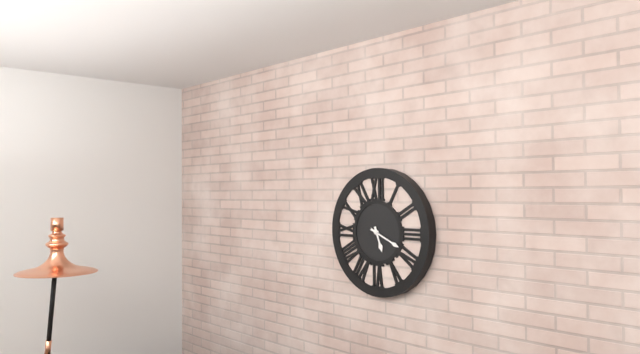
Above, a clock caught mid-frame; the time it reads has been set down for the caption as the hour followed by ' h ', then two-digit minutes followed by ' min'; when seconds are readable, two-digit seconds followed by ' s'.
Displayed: 5 h 19 min
